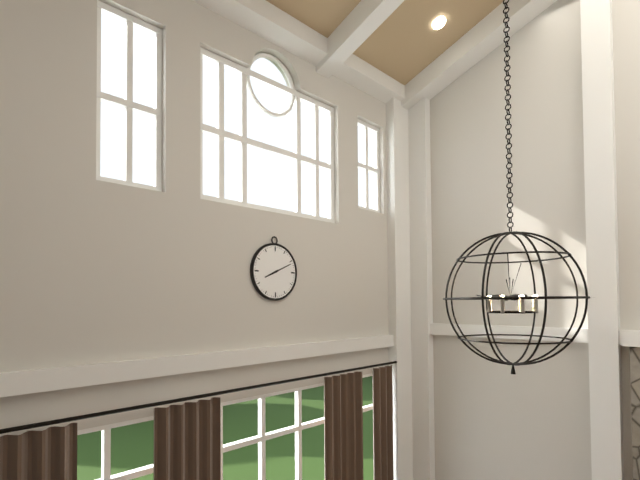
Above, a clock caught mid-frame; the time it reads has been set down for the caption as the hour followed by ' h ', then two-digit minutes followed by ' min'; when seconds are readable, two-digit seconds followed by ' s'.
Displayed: 8 h 11 min
